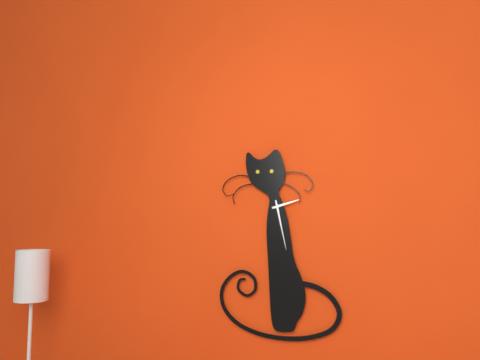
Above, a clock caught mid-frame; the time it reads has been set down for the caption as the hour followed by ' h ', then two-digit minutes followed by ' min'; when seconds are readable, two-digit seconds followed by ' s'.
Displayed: 2 h 28 min
